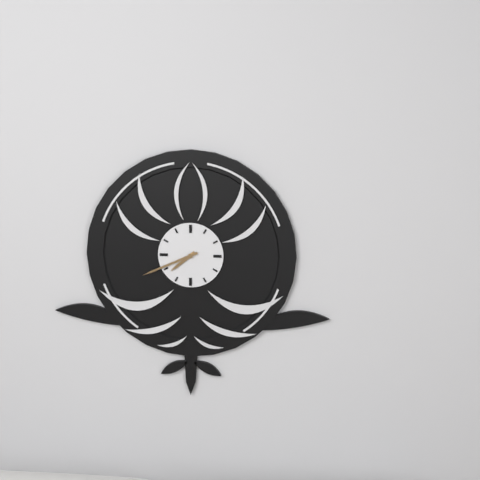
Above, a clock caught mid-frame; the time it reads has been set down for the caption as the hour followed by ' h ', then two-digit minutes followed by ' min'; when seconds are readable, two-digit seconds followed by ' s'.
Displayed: 7 h 41 min
